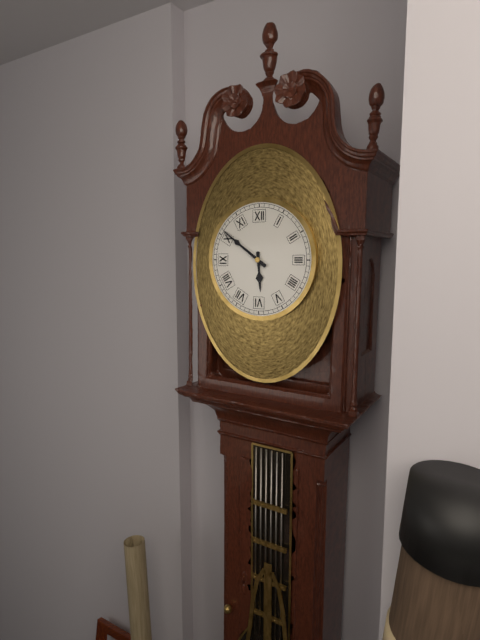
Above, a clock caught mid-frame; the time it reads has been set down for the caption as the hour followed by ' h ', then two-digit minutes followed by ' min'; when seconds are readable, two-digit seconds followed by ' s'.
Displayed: 5 h 51 min
